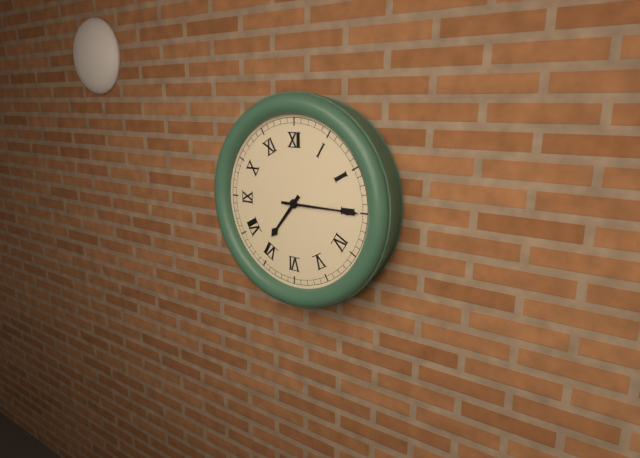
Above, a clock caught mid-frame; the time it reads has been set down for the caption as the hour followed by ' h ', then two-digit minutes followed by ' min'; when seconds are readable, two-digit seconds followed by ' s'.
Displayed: 7 h 15 min
